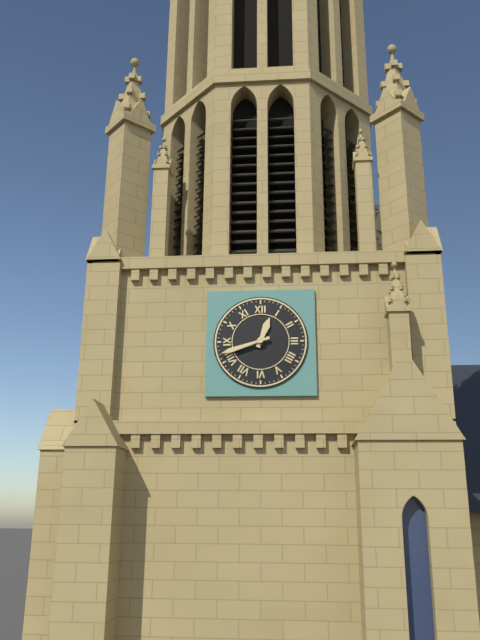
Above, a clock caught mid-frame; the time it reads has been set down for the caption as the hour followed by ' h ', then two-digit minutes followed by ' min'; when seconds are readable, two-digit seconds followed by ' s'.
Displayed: 12 h 42 min
